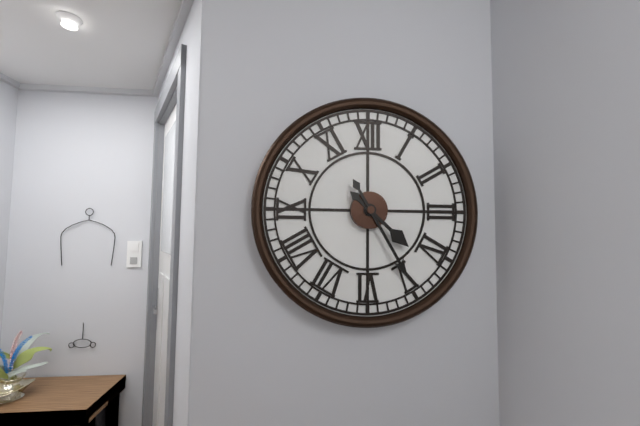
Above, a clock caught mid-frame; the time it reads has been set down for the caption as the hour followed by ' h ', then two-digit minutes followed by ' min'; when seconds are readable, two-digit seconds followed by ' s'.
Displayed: 4 h 25 min
